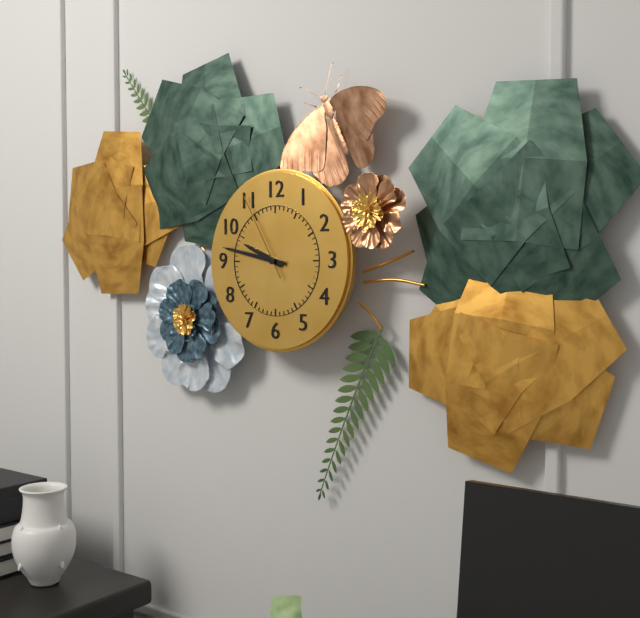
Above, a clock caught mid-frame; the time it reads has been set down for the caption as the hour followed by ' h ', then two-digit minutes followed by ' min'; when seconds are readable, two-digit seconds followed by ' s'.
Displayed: 9 h 47 min 55 s
